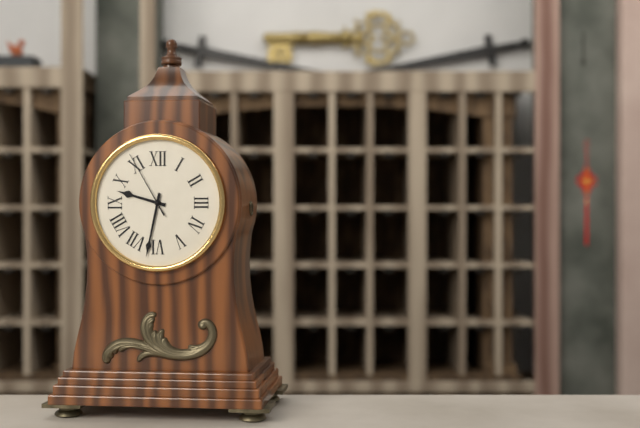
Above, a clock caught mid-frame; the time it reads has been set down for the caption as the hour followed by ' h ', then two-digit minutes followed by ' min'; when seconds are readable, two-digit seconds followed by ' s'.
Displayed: 9 h 32 min 55 s
